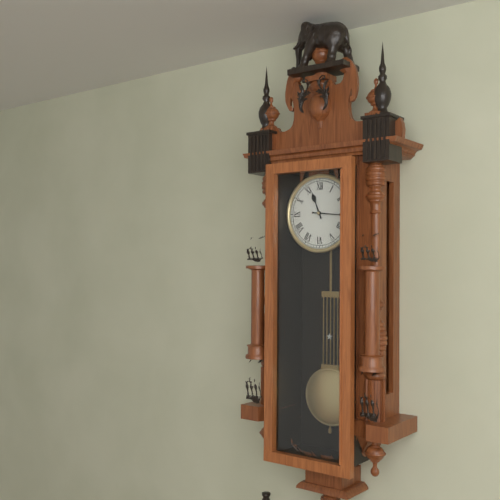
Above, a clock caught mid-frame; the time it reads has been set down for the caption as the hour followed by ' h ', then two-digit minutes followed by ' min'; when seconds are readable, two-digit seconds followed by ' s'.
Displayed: 11 h 16 min
